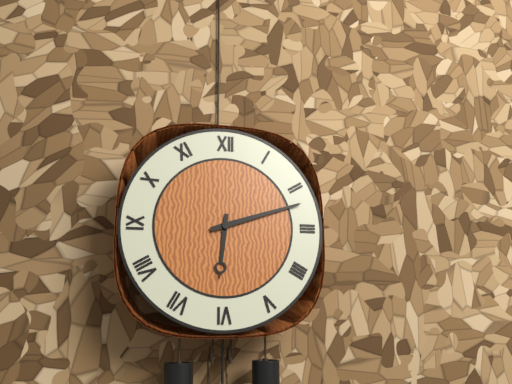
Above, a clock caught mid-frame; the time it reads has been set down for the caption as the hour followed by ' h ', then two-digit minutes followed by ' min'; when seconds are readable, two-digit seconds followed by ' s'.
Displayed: 6 h 12 min
